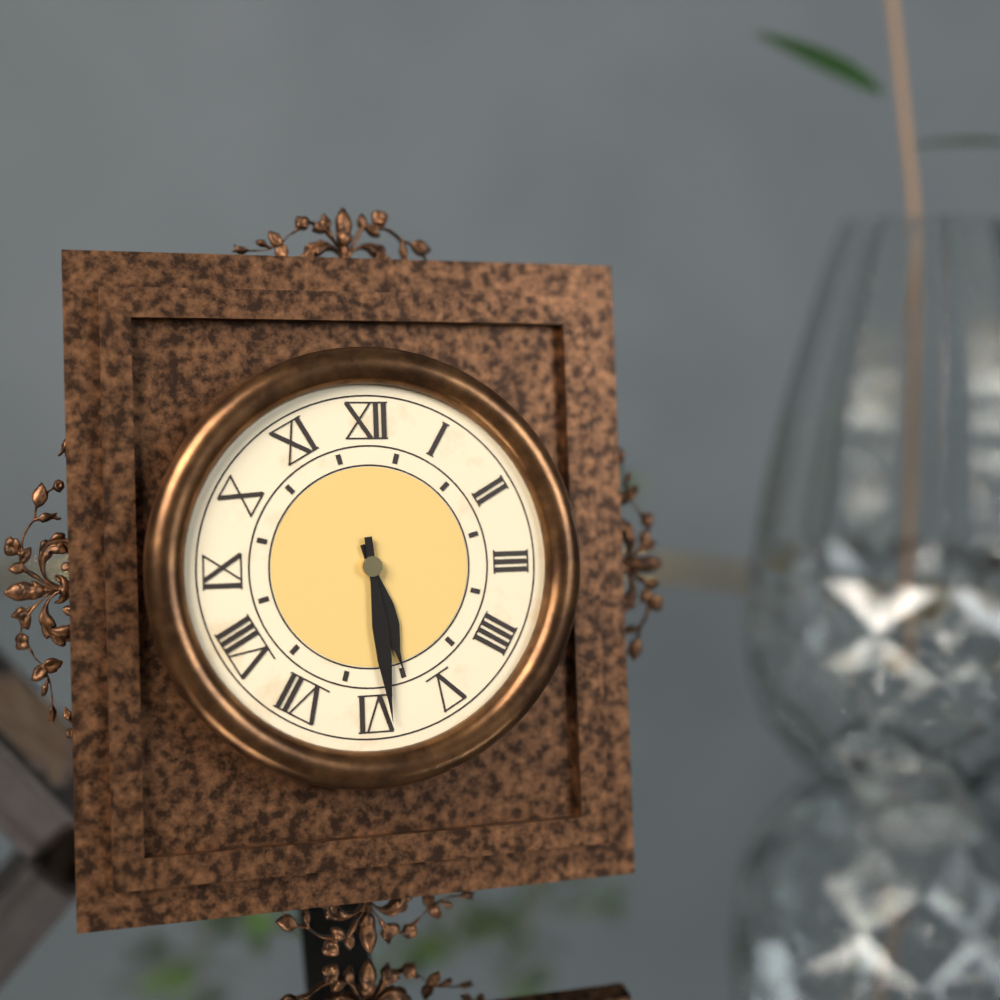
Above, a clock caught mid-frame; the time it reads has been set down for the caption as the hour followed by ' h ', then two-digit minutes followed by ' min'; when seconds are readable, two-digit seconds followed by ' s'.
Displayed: 5 h 29 min
